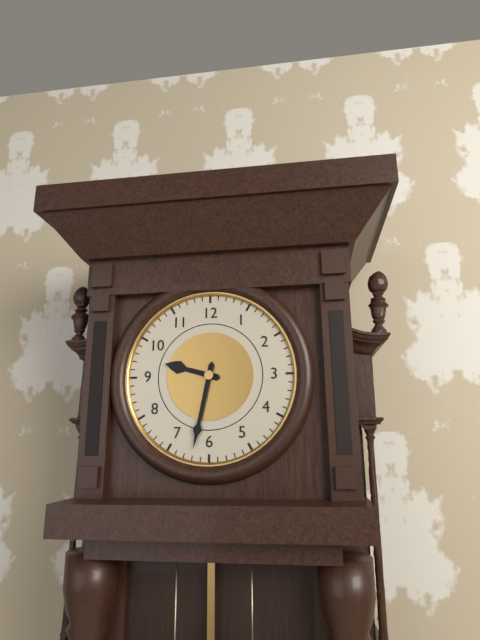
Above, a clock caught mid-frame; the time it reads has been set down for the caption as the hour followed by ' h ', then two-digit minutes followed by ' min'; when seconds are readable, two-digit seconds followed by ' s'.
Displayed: 9 h 32 min
